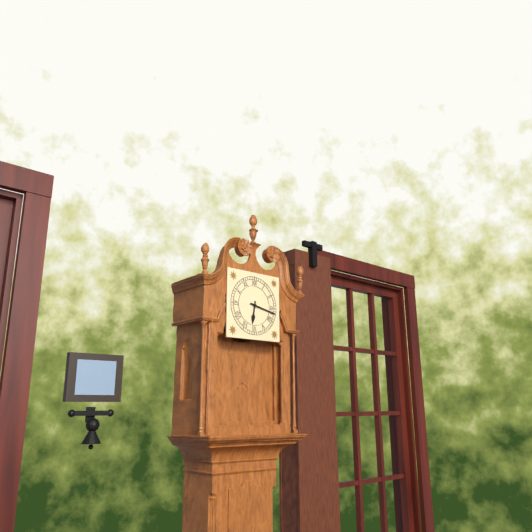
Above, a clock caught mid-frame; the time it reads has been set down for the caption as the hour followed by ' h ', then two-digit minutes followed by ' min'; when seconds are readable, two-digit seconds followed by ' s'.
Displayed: 6 h 17 min
